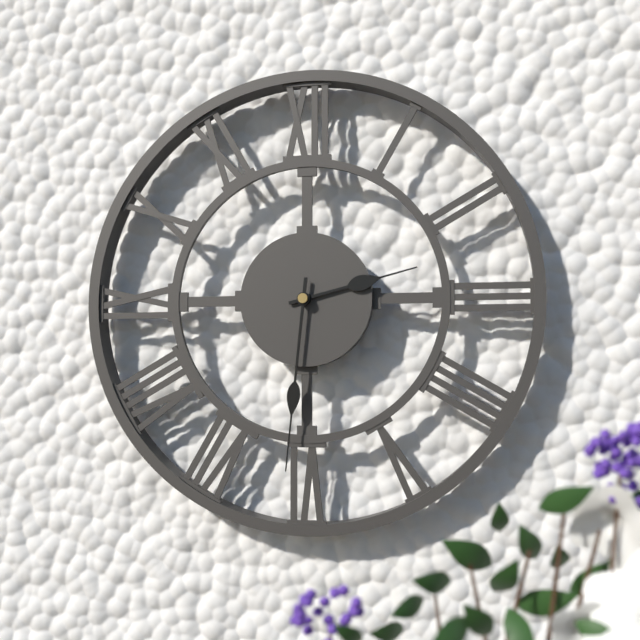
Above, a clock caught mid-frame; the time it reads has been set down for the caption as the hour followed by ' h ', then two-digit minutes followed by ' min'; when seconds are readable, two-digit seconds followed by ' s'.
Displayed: 2 h 31 min
